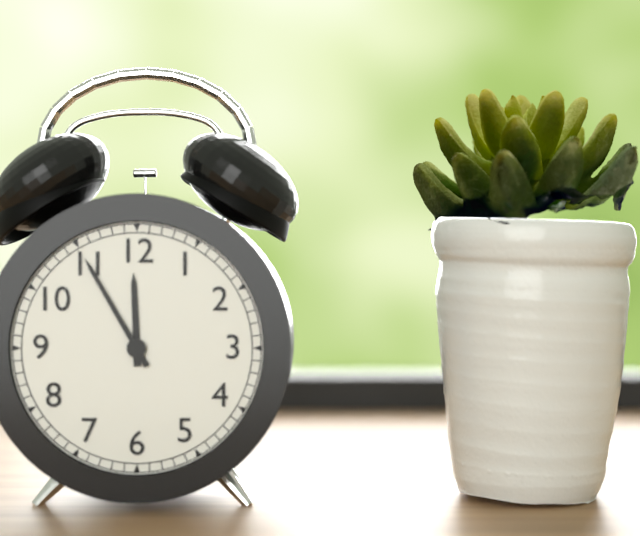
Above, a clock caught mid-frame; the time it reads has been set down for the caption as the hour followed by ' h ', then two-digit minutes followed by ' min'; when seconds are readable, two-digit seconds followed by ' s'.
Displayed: 11 h 55 min
